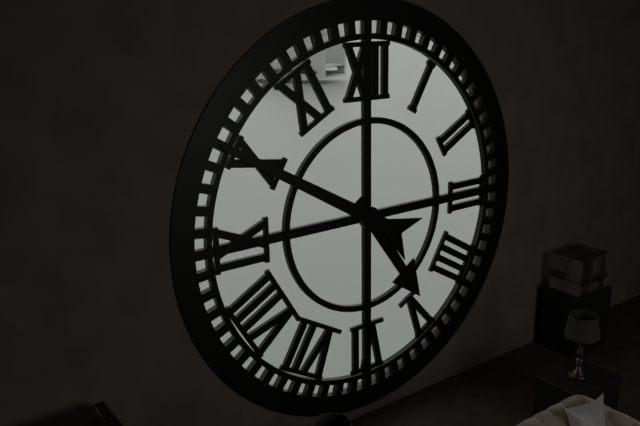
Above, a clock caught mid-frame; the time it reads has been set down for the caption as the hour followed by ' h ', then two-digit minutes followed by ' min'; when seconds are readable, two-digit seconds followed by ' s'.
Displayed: 4 h 50 min
